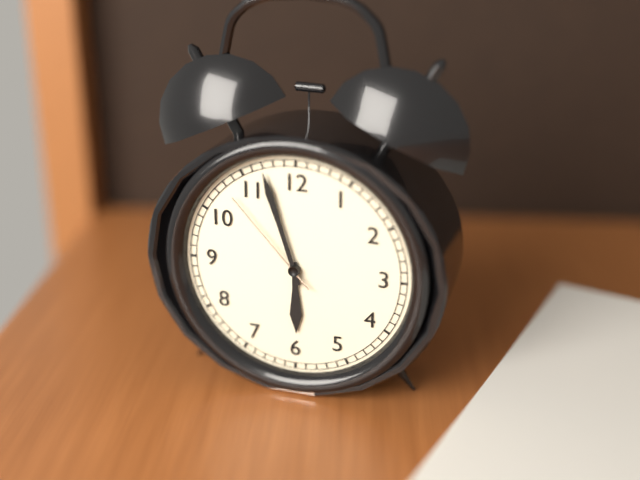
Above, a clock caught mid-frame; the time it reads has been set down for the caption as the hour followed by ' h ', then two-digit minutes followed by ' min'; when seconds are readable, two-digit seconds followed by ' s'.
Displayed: 5 h 57 min 53 s
